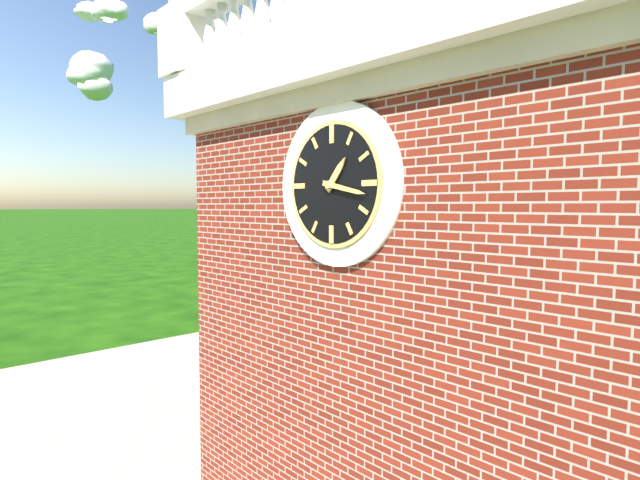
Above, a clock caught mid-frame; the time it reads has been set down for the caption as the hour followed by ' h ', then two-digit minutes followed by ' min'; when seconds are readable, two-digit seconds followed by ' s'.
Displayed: 1 h 17 min
